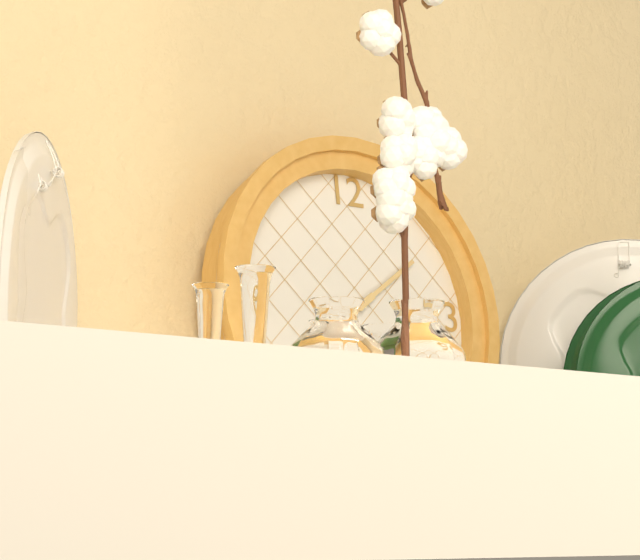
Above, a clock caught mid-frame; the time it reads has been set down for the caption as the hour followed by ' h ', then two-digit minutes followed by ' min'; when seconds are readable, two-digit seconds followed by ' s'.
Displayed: 8 h 09 min
